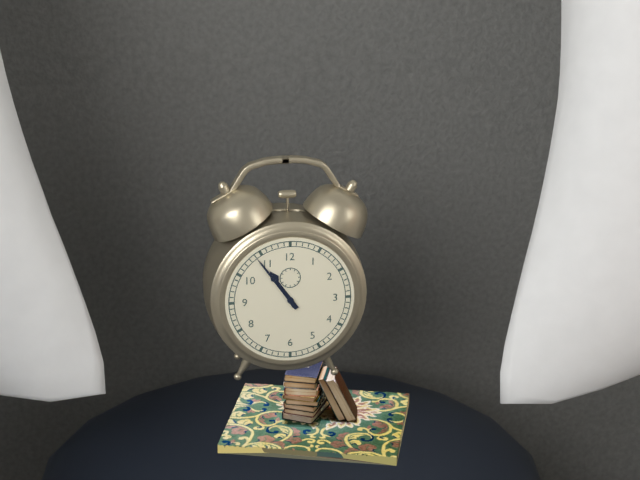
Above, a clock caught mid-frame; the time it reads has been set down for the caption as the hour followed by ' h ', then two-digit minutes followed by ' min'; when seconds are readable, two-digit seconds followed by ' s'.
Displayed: 10 h 54 min
